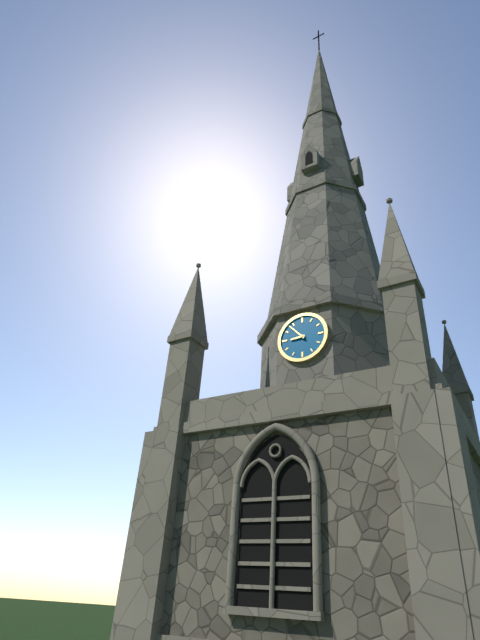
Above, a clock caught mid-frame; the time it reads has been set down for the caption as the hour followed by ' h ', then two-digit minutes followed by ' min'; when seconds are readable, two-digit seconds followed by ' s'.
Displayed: 8 h 53 min
